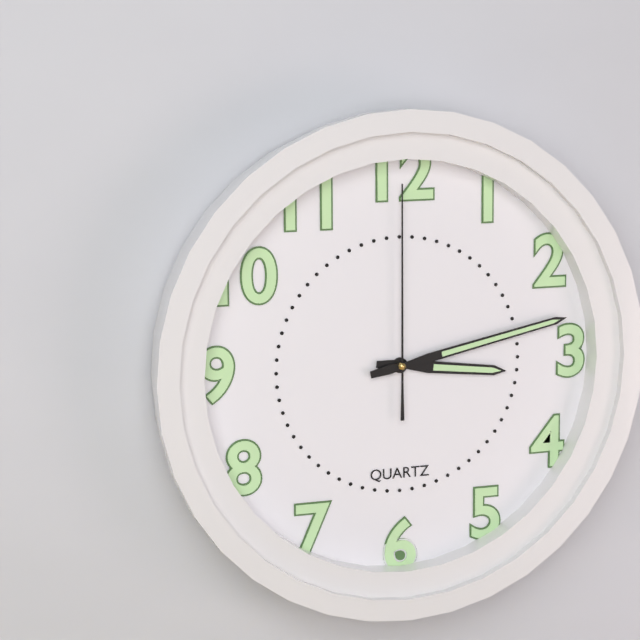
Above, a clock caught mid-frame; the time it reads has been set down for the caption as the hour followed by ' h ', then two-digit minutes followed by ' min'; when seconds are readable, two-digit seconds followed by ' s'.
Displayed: 3 h 13 min 00 s
